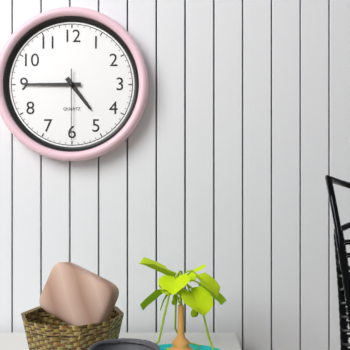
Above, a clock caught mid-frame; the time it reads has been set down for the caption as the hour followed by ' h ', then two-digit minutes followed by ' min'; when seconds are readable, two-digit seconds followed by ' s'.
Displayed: 4 h 45 min 30 s
